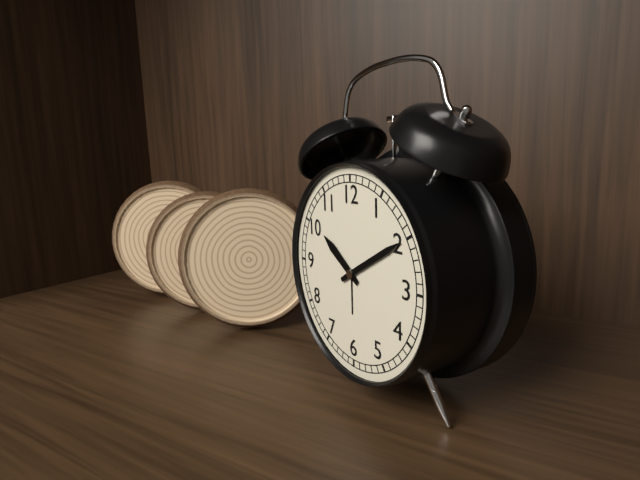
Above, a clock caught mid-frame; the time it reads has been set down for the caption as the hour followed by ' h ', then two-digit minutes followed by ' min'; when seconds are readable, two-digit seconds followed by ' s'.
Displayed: 10 h 10 min
